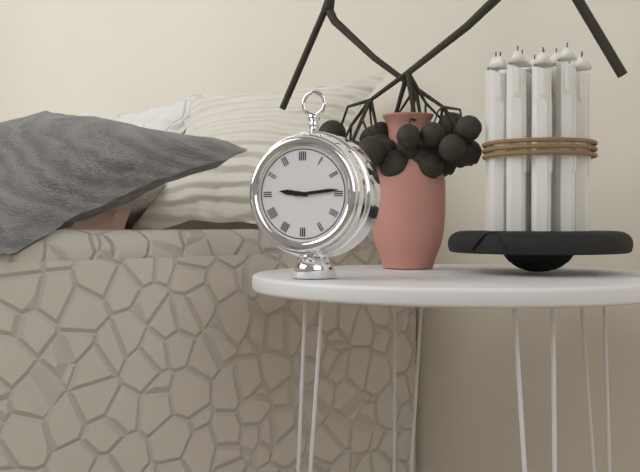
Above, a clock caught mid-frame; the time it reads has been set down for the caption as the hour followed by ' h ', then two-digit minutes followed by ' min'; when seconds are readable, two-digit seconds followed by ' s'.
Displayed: 9 h 14 min
